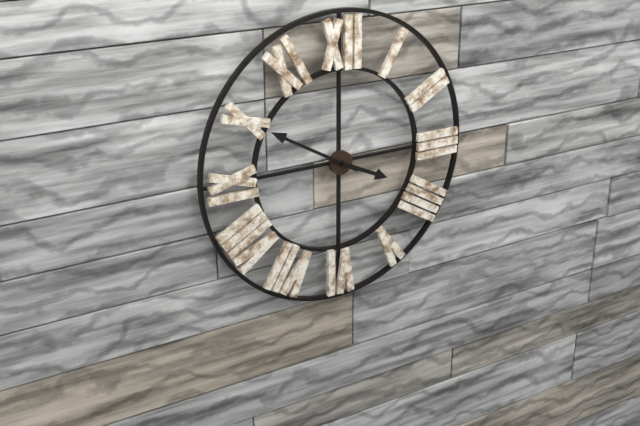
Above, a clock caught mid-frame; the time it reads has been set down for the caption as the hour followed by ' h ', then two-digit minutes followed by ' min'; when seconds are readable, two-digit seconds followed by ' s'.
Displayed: 3 h 50 min
